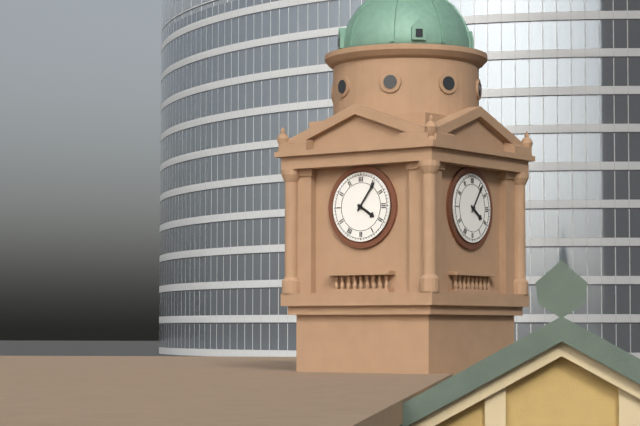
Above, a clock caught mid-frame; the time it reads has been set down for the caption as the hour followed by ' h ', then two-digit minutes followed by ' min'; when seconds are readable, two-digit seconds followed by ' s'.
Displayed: 4 h 06 min
